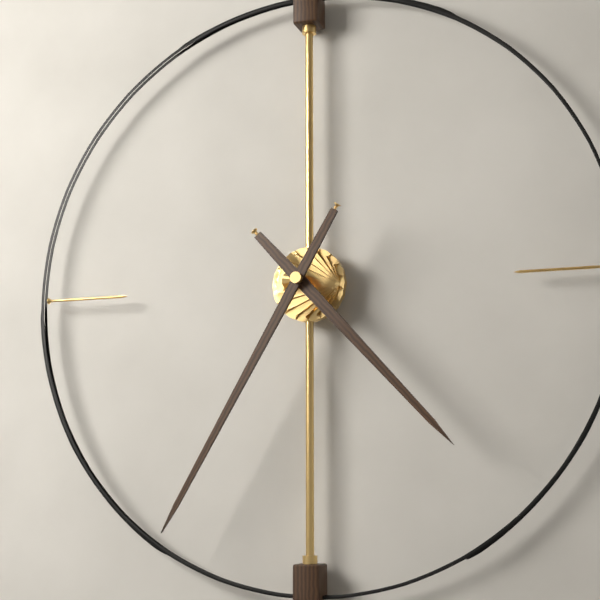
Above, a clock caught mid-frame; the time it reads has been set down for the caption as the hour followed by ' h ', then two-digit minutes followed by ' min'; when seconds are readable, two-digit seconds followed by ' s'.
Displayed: 4 h 35 min
